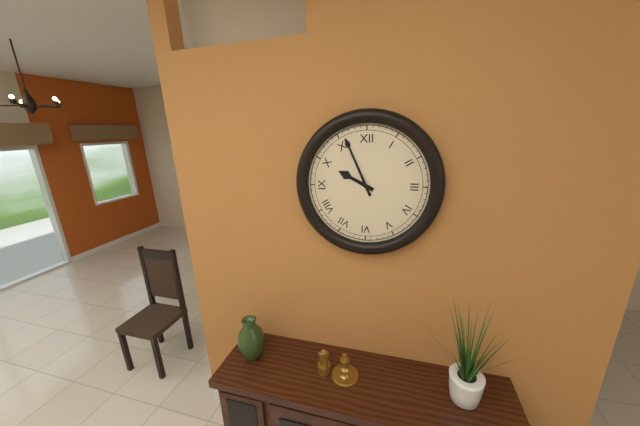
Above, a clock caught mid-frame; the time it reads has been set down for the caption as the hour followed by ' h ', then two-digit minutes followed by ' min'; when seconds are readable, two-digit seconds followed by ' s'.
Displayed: 9 h 56 min
